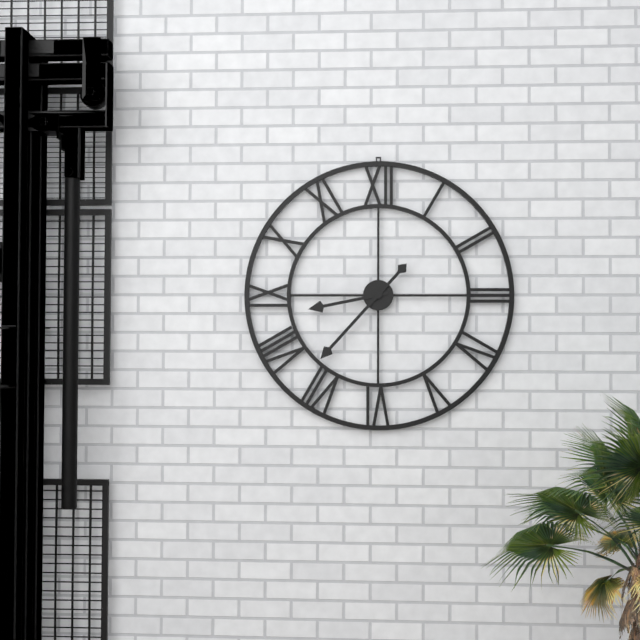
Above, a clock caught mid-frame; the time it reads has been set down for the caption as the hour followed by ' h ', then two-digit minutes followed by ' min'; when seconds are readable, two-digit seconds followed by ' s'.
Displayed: 8 h 37 min
